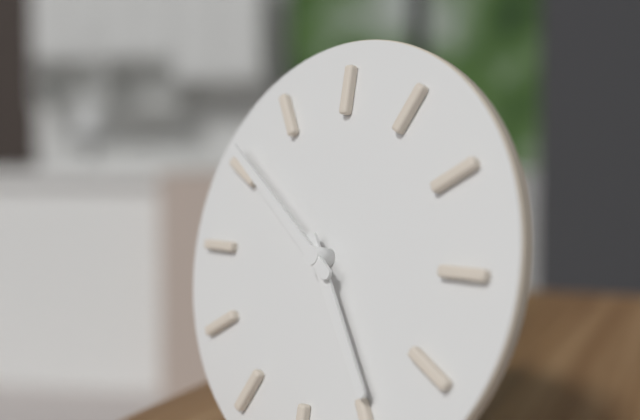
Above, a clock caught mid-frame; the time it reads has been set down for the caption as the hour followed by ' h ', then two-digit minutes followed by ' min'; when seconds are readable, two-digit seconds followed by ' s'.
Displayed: 4 h 51 min
